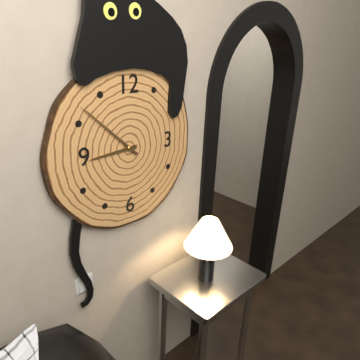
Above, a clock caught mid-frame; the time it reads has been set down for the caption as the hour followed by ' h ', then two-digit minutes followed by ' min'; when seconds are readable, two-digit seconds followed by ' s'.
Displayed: 8 h 52 min
